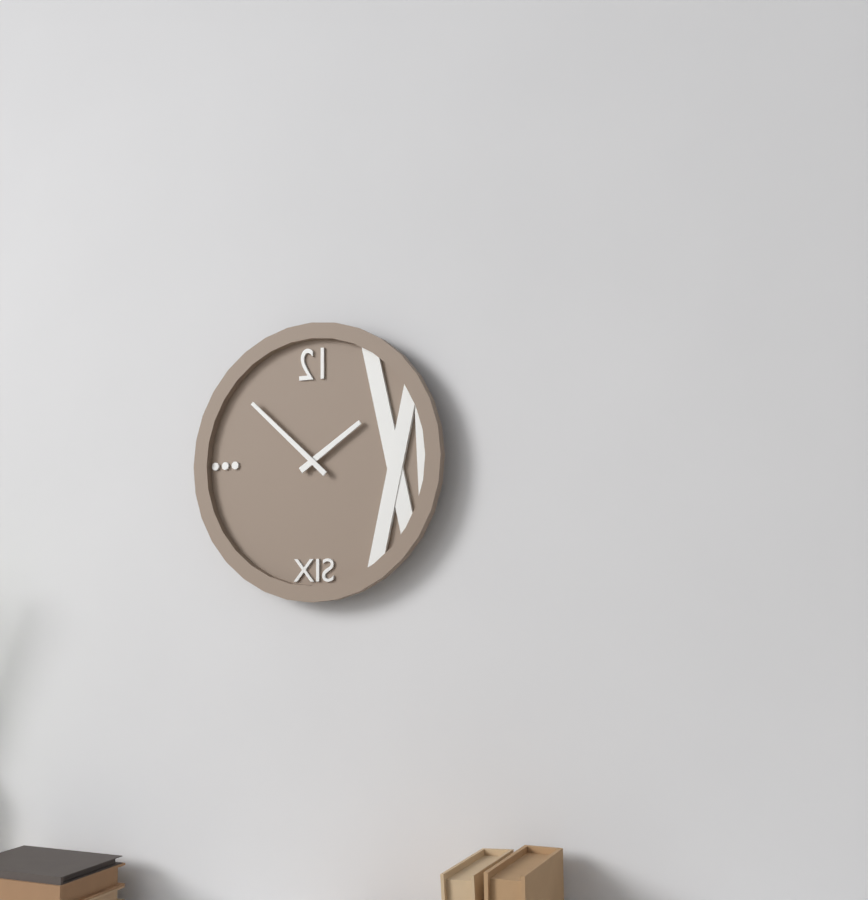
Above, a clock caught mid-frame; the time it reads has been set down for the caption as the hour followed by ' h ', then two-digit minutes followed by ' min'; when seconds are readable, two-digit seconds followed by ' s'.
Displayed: 1 h 52 min
